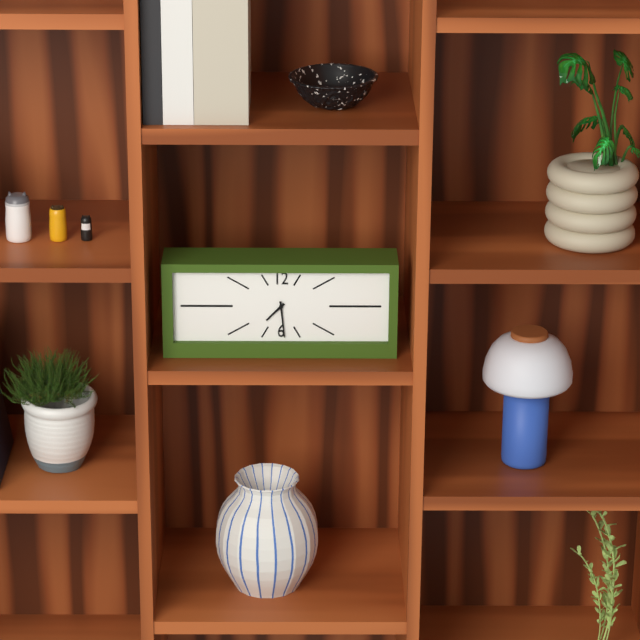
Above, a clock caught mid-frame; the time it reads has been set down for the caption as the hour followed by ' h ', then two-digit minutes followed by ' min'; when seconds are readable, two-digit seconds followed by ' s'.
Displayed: 7 h 29 min
